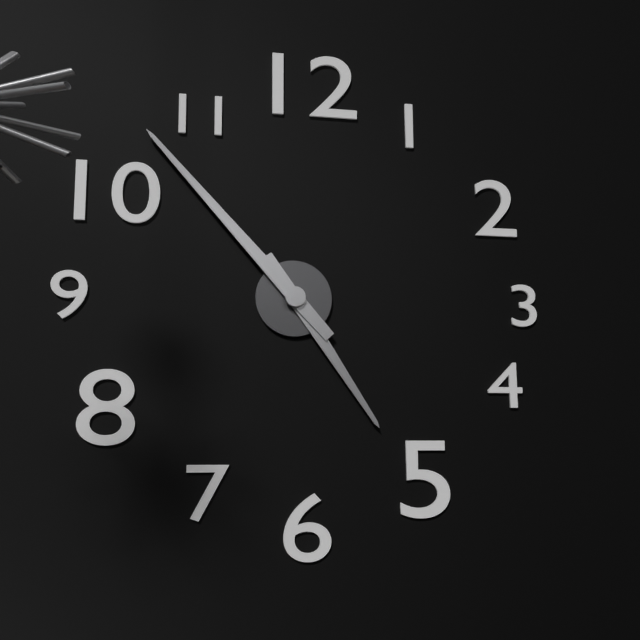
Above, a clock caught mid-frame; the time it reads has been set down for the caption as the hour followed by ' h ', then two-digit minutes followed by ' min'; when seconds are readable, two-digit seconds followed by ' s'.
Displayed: 4 h 53 min
